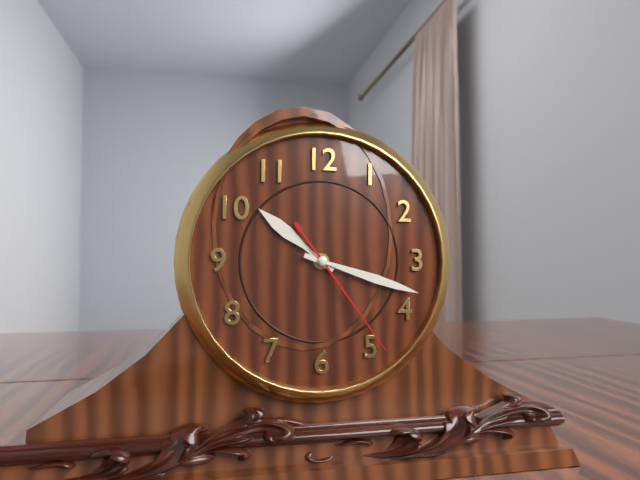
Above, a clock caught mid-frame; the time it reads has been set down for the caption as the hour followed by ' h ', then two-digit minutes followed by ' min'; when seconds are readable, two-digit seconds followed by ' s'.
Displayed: 10 h 18 min 24 s
